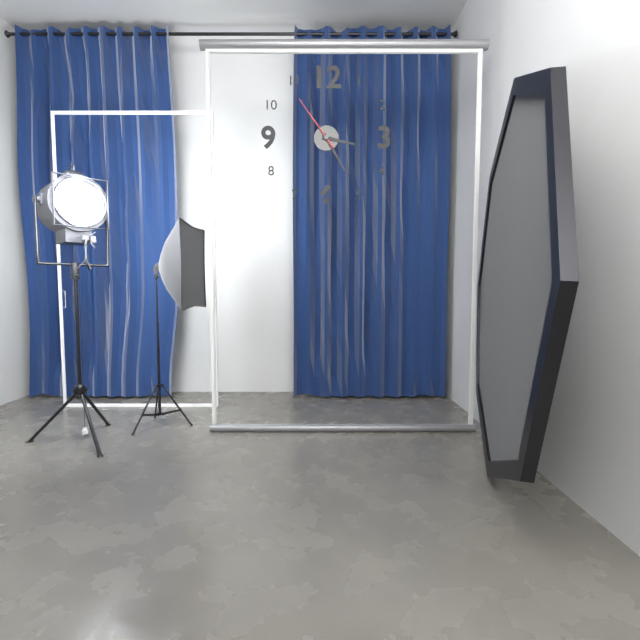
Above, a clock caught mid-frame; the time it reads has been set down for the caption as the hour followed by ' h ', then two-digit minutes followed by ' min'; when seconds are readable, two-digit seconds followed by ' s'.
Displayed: 3 h 25 min 54 s
